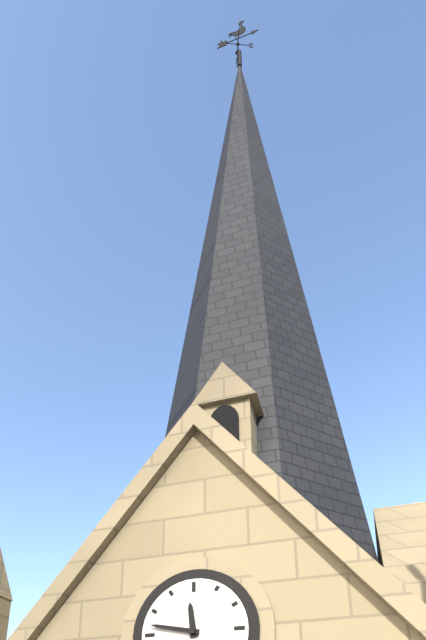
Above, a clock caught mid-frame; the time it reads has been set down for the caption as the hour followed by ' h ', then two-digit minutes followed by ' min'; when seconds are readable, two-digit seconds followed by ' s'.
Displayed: 11 h 47 min
